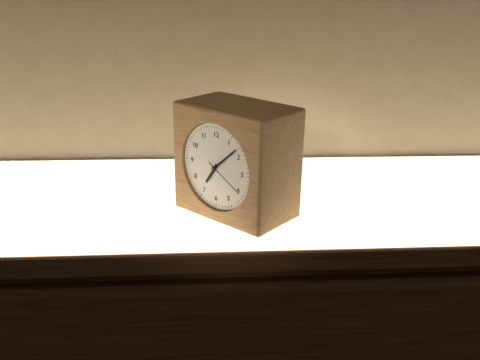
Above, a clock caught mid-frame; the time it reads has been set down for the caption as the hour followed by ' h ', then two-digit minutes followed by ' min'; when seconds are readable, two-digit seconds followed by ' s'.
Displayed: 7 h 08 min
